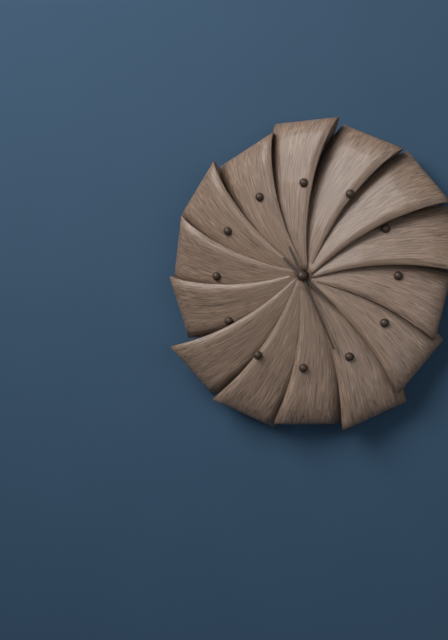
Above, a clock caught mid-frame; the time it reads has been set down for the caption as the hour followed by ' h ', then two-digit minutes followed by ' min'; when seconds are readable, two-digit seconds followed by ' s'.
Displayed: 4 h 26 min
